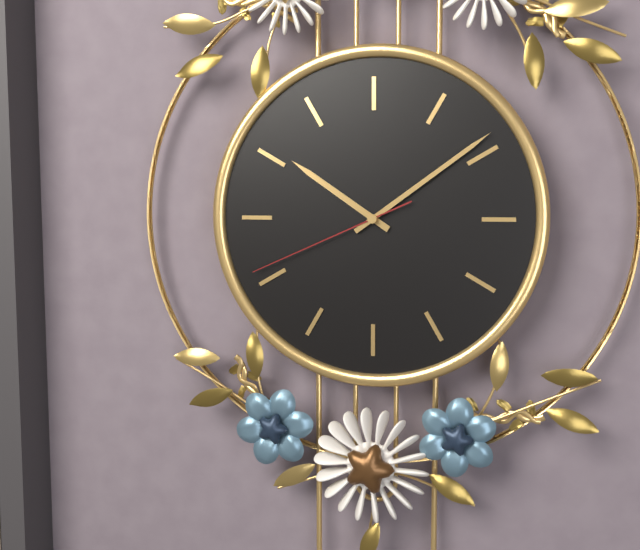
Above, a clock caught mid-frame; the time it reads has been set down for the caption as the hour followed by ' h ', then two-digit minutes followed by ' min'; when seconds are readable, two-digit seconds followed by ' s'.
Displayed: 10 h 09 min 41 s
